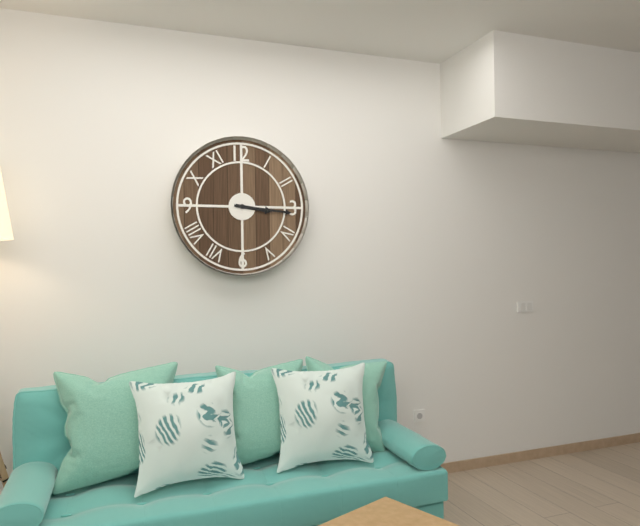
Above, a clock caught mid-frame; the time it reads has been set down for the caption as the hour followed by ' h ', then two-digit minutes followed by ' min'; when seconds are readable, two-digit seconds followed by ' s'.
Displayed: 3 h 16 min
